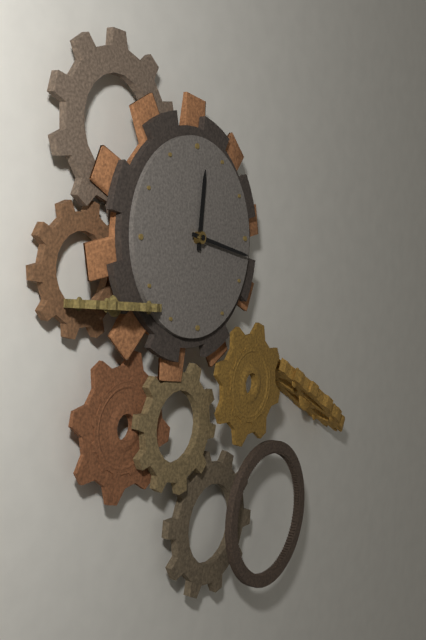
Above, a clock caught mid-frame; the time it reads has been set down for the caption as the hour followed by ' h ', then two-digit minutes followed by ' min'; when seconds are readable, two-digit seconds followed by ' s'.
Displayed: 12 h 17 min
